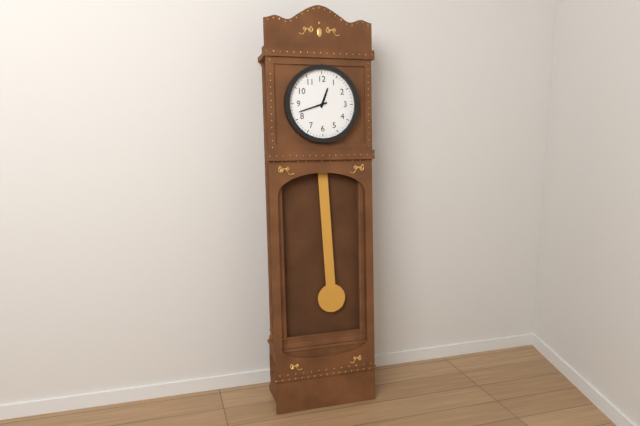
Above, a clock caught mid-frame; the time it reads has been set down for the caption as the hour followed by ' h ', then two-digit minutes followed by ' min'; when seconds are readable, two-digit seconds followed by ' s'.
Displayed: 12 h 42 min
